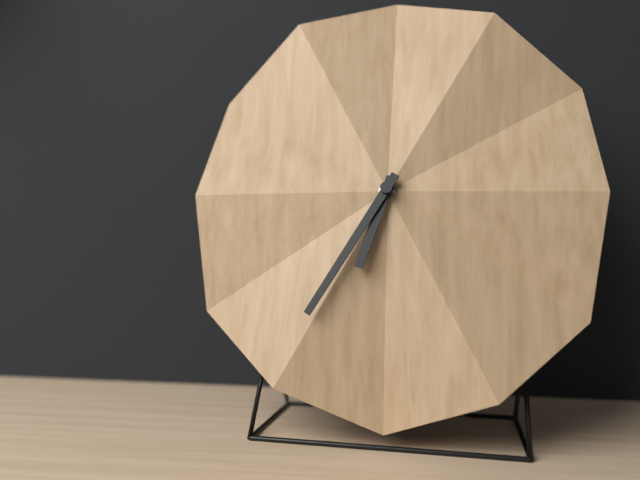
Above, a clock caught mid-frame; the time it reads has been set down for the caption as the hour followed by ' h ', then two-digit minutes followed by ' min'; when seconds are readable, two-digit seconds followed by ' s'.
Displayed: 6 h 35 min
